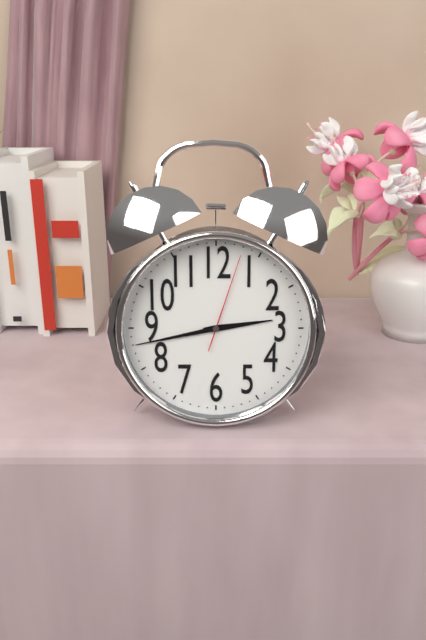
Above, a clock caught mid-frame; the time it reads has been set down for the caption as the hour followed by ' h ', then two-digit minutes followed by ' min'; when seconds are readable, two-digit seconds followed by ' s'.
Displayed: 2 h 43 min 03 s
